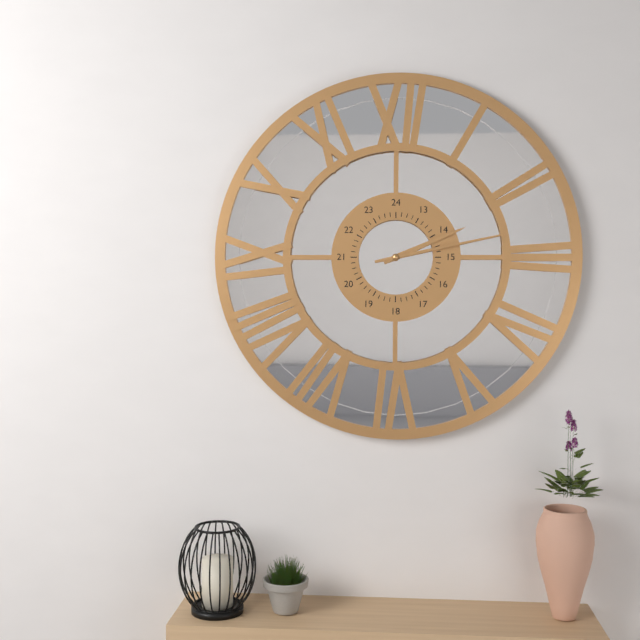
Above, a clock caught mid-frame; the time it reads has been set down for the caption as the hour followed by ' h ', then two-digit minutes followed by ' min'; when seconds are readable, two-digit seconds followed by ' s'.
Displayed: 2 h 13 min
